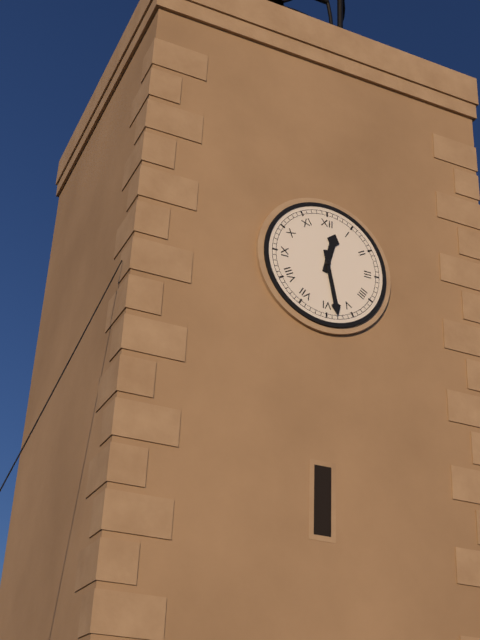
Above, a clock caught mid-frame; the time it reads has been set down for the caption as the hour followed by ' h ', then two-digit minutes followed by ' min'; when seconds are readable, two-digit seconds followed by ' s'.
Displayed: 12 h 28 min
